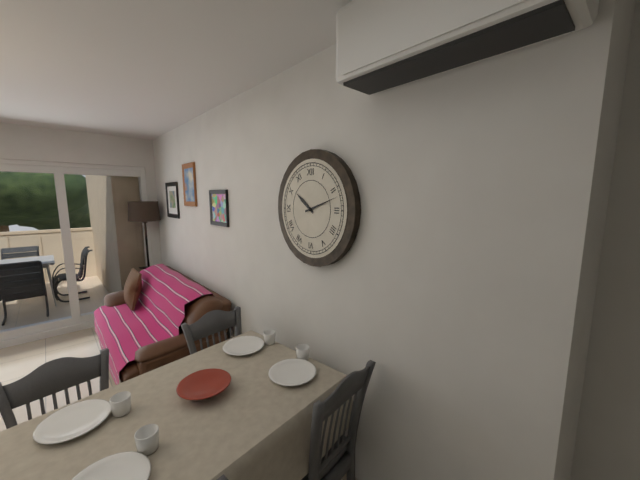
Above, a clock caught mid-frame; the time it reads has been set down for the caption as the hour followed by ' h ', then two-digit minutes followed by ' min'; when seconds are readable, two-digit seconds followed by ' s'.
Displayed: 10 h 12 min
